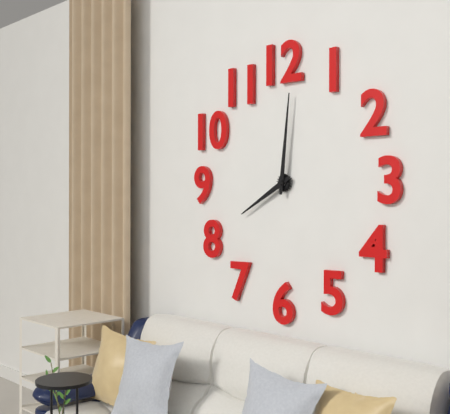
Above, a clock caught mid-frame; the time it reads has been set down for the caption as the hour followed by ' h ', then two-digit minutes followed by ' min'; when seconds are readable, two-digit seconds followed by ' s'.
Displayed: 8 h 01 min
